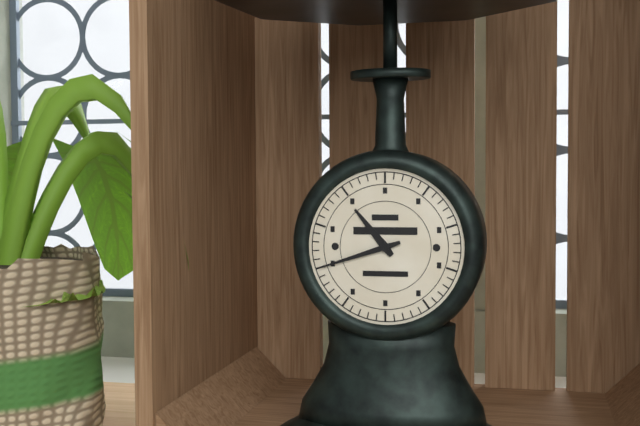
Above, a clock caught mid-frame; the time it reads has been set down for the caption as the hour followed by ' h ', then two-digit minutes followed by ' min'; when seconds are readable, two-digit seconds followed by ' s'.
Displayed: 10 h 42 min
